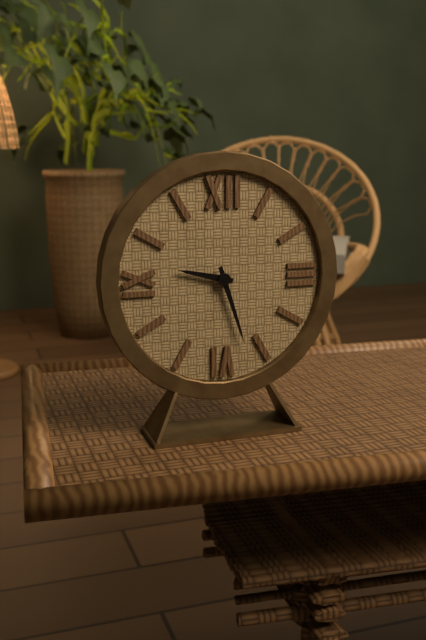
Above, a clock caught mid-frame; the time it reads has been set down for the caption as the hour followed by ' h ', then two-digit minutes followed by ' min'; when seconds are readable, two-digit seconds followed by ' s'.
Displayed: 9 h 27 min
